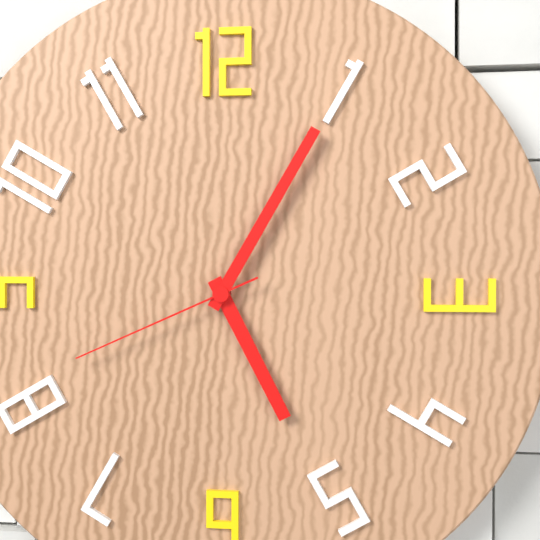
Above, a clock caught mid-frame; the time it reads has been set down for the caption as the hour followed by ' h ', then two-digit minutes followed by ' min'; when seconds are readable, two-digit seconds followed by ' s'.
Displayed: 5 h 05 min 41 s
